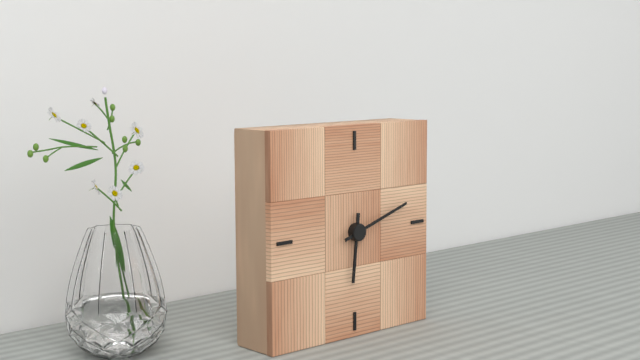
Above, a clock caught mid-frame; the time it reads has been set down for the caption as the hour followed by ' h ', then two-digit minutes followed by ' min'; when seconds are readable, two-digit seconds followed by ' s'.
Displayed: 6 h 12 min
